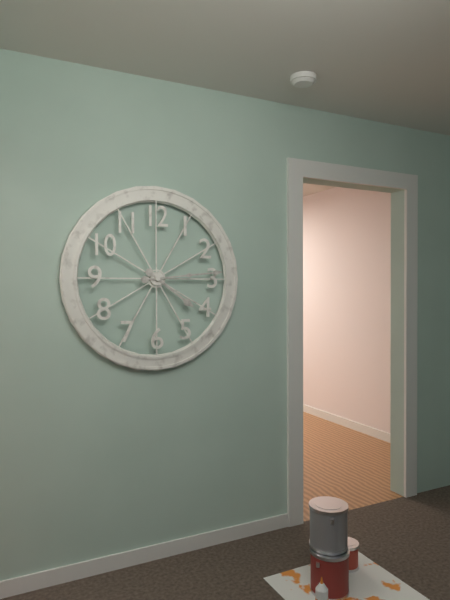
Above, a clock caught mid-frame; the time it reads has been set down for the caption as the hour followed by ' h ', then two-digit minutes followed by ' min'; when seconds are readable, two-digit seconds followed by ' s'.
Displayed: 4 h 14 min
